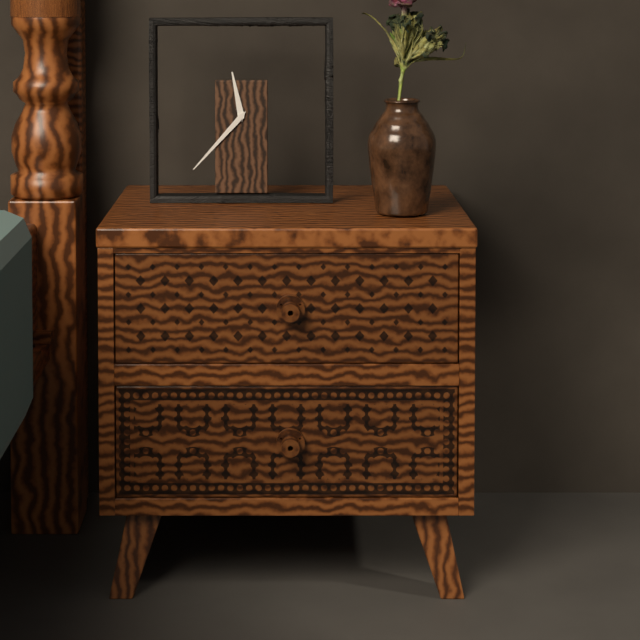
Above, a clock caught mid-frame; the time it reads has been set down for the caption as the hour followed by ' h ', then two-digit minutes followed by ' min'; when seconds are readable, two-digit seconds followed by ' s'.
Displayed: 11 h 37 min
